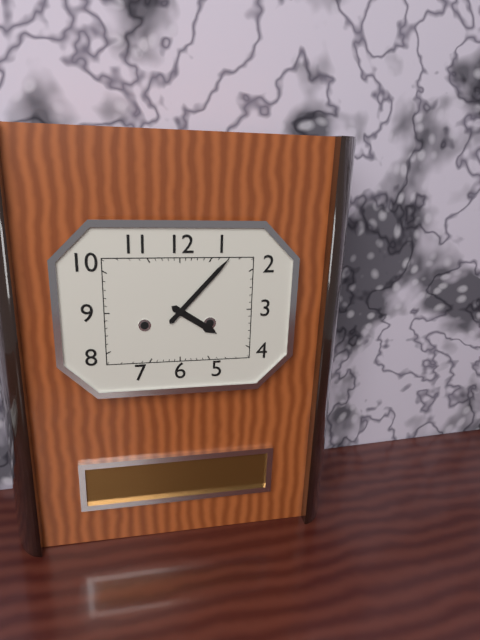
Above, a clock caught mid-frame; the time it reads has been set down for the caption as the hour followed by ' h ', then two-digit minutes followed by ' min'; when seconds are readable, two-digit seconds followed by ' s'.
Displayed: 4 h 07 min
